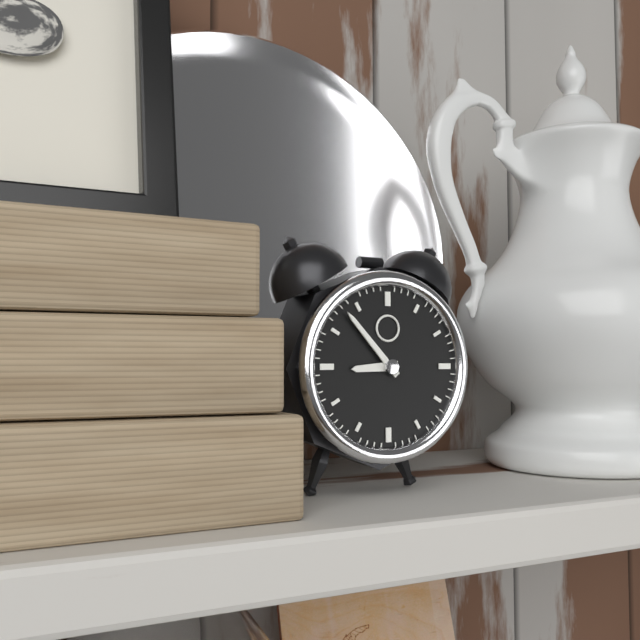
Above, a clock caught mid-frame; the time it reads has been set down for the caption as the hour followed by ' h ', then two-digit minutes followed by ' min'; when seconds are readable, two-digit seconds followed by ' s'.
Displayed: 8 h 53 min
